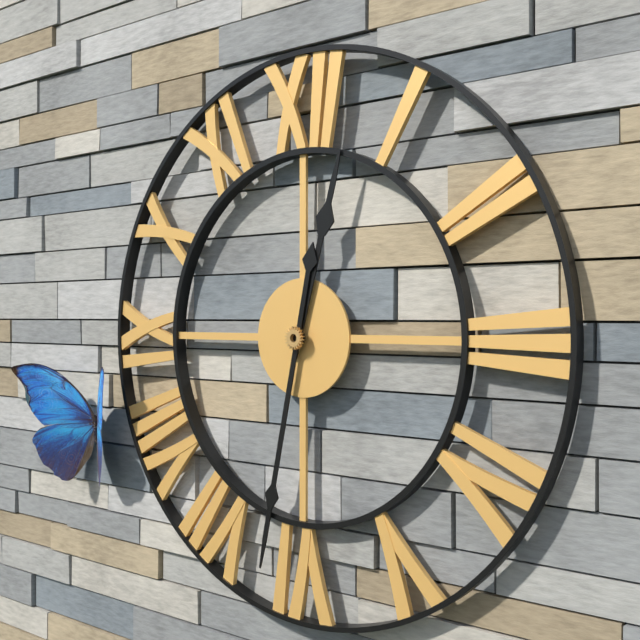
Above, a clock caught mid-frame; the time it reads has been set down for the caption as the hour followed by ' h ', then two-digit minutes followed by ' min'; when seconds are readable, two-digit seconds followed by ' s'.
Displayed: 12 h 32 min
